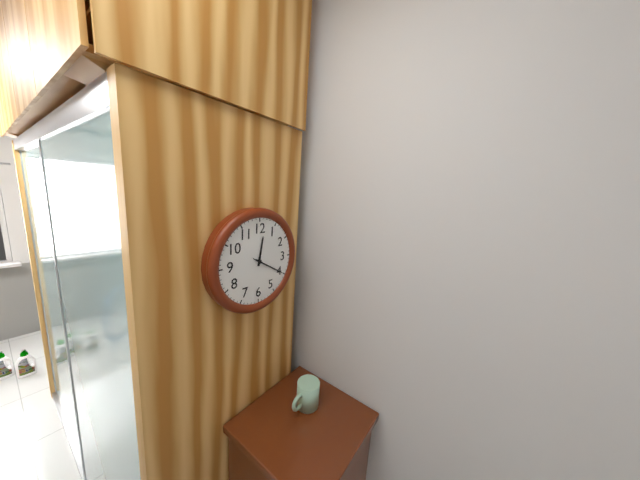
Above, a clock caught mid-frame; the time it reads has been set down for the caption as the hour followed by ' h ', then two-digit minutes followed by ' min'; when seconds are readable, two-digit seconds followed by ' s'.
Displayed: 12 h 20 min
